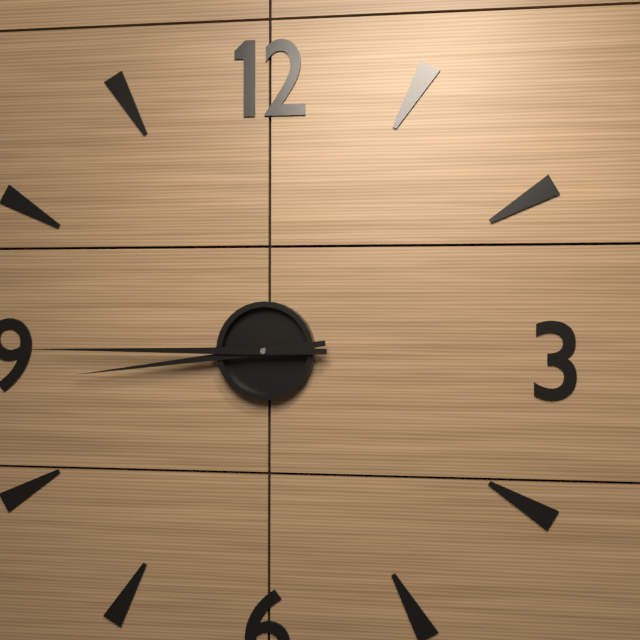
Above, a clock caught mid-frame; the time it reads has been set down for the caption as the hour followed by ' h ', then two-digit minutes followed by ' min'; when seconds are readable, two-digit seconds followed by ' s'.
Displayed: 8 h 45 min
